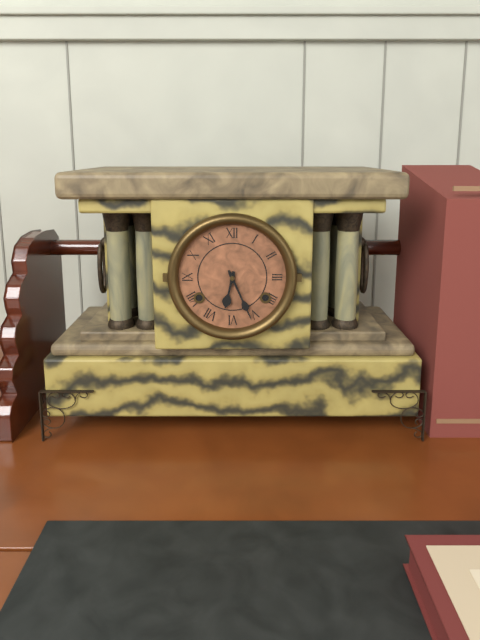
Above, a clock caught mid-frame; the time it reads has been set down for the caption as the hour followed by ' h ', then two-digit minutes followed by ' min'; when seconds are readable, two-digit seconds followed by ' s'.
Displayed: 6 h 26 min
